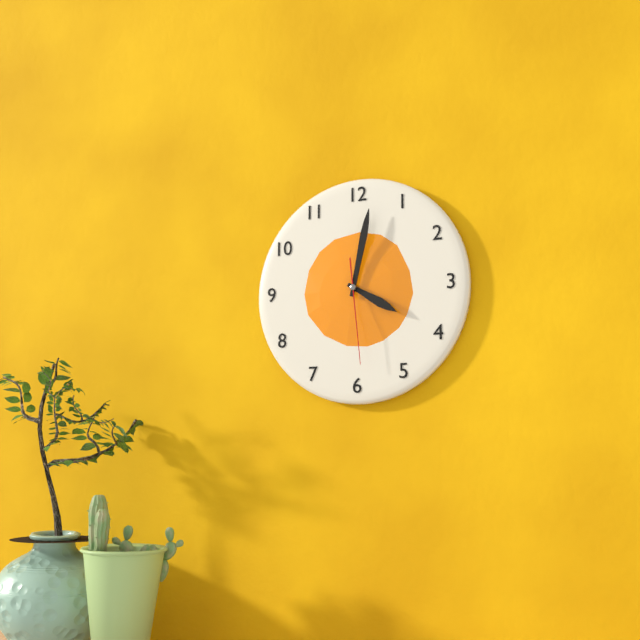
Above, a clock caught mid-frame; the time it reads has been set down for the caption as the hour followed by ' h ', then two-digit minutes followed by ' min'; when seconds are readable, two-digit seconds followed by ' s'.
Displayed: 4 h 02 min 29 s
